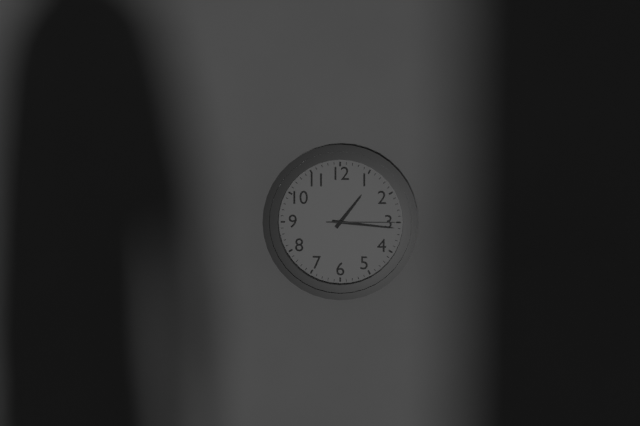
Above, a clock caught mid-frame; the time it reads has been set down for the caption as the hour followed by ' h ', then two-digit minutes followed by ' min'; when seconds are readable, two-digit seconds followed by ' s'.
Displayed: 1 h 16 min 15 s
